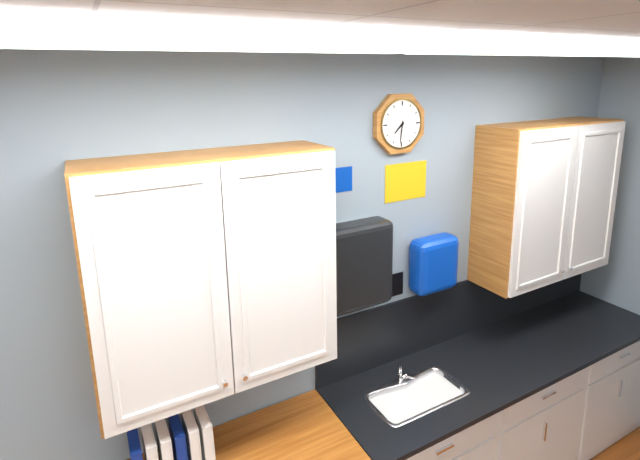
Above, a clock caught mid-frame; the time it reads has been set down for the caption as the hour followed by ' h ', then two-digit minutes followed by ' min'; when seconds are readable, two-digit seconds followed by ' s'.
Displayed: 7 h 31 min
